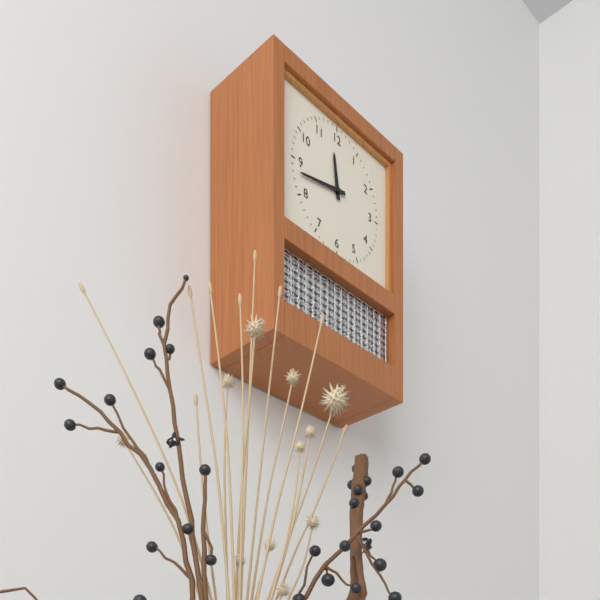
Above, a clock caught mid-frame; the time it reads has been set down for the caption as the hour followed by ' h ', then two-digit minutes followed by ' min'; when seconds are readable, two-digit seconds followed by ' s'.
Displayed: 11 h 43 min
